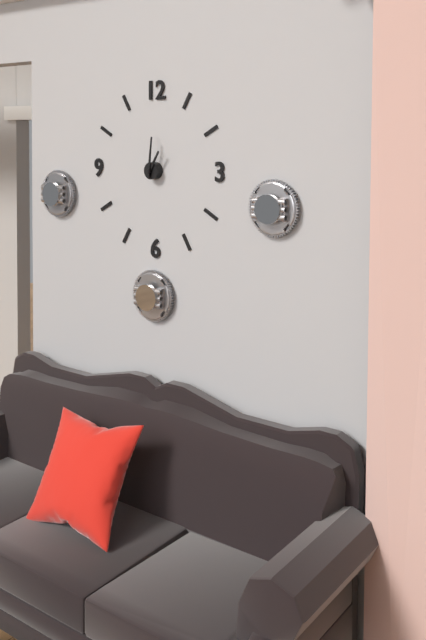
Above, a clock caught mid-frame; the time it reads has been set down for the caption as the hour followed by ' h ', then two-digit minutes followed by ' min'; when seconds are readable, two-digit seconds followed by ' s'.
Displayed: 1 h 01 min
